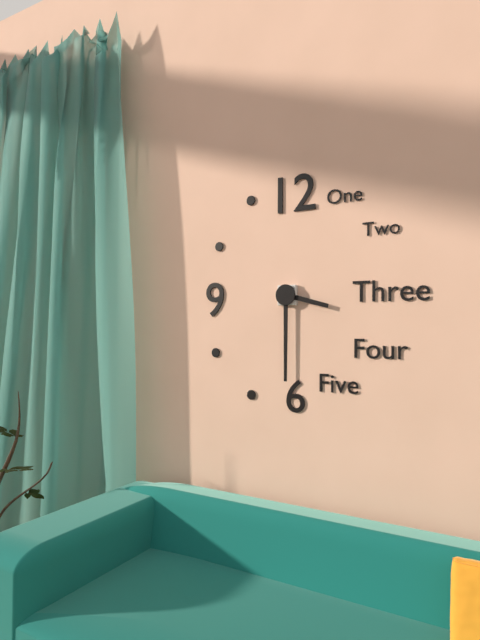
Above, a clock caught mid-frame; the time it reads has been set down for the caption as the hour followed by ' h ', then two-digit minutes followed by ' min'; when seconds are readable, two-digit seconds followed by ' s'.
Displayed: 3 h 30 min
